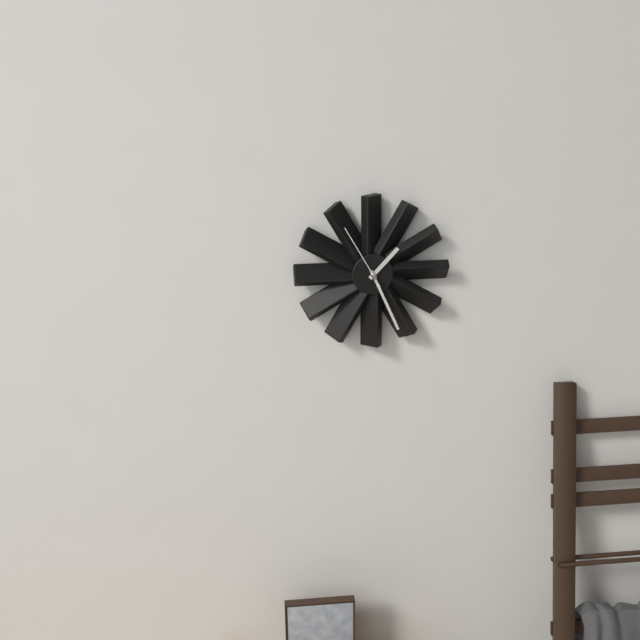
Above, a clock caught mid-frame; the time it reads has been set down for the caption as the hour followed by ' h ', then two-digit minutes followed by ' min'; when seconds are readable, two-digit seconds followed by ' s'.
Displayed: 1 h 26 min 55 s
